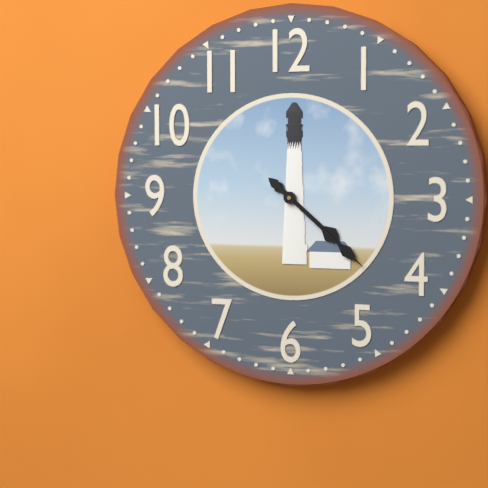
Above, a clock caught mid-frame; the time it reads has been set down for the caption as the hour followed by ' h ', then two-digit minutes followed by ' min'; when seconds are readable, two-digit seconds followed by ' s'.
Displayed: 4 h 22 min
